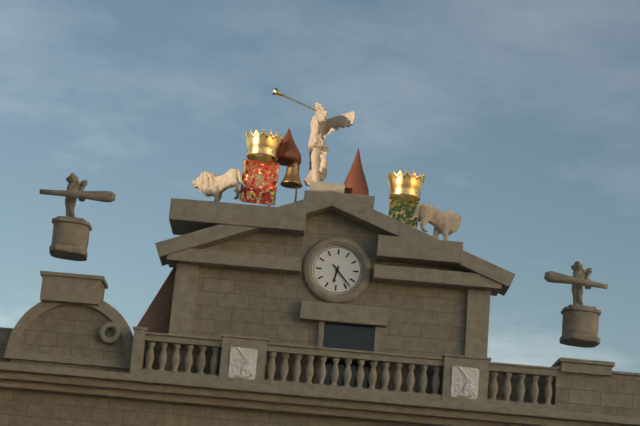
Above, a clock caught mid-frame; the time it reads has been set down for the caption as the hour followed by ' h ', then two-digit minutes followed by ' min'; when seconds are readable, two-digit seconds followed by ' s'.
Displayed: 6 h 23 min
